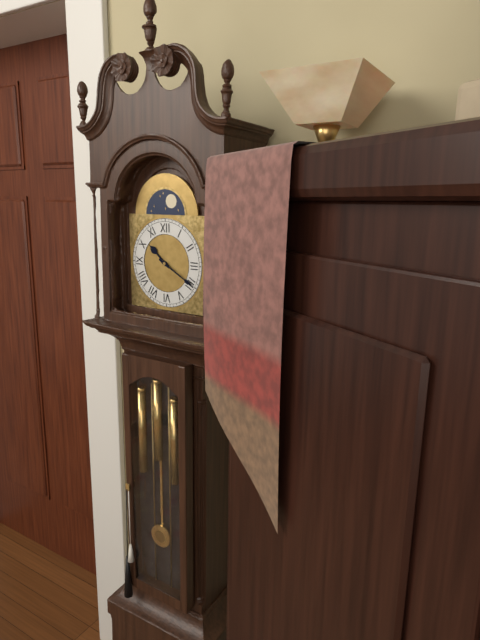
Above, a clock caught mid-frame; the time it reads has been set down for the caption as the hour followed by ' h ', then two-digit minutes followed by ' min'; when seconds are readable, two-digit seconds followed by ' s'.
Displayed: 10 h 20 min
